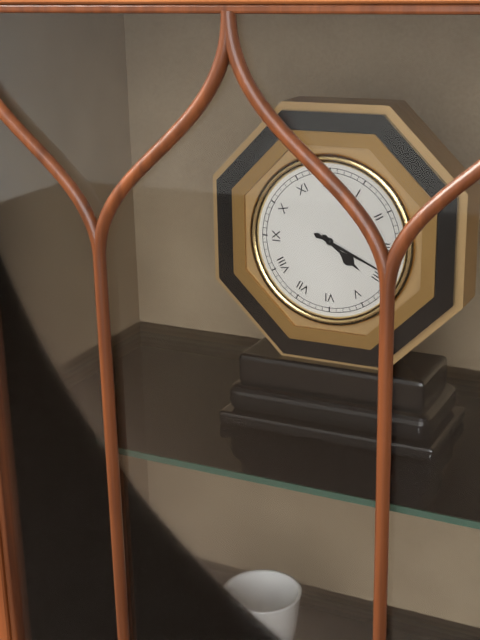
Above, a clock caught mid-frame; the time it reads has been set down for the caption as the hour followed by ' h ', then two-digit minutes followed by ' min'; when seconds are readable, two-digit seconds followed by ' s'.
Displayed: 4 h 19 min
